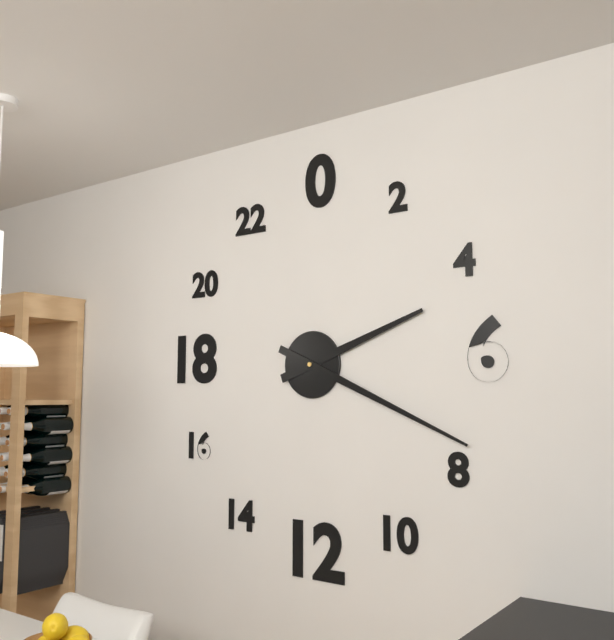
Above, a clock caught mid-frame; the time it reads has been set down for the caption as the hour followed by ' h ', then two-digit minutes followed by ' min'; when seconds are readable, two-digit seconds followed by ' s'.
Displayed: 2 h 19 min
